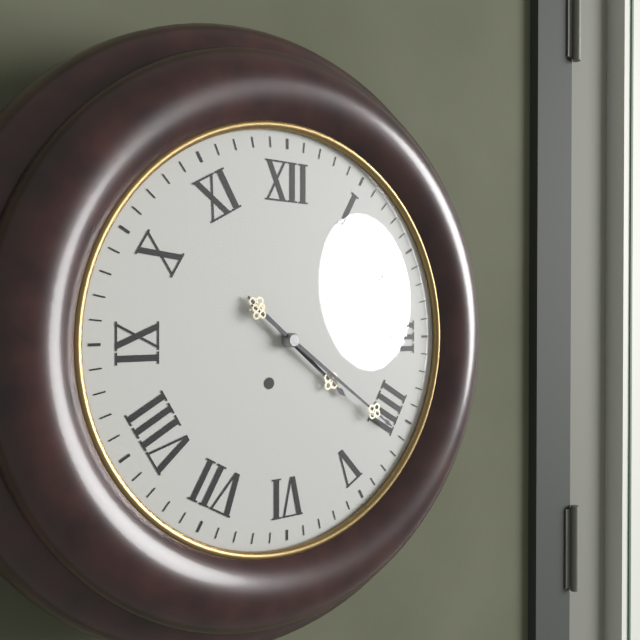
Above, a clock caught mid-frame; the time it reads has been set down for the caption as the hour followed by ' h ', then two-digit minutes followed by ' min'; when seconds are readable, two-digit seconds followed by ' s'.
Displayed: 4 h 21 min
